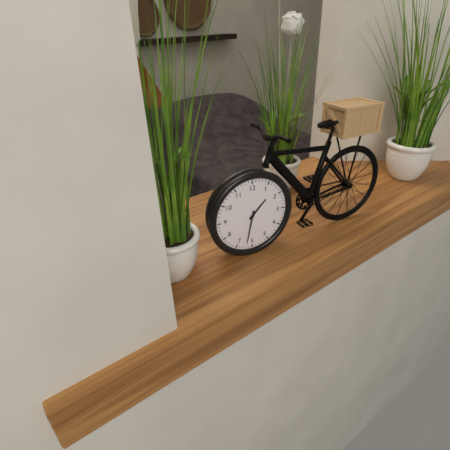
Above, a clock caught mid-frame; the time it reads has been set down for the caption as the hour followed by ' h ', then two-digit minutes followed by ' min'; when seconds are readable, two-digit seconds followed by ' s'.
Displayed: 1 h 32 min
